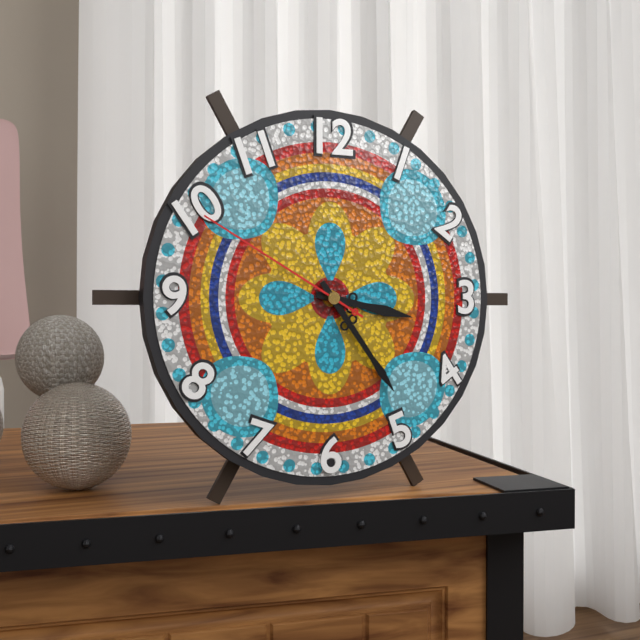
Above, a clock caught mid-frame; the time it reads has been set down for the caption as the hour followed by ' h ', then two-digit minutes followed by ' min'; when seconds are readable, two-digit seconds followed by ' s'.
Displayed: 3 h 24 min 50 s
